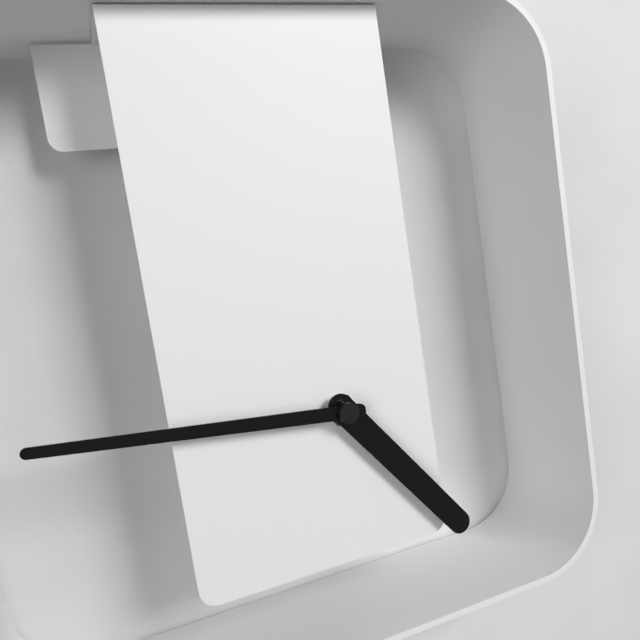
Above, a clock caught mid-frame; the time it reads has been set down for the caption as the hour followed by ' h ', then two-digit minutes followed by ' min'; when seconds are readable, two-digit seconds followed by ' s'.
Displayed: 4 h 46 min
